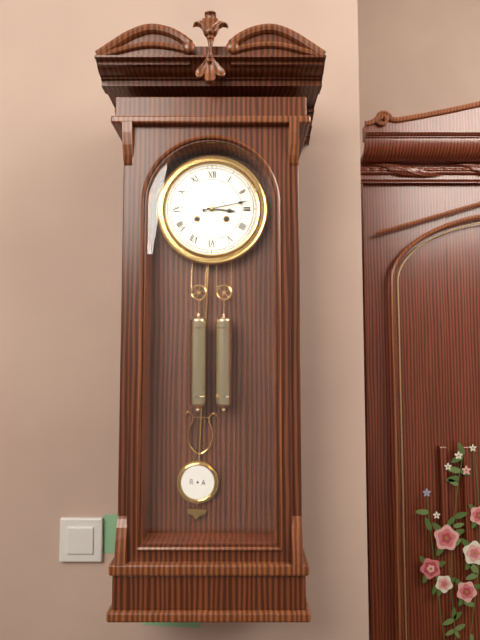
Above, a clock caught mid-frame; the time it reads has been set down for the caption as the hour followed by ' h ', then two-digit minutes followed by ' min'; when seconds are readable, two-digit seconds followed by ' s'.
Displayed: 3 h 13 min
